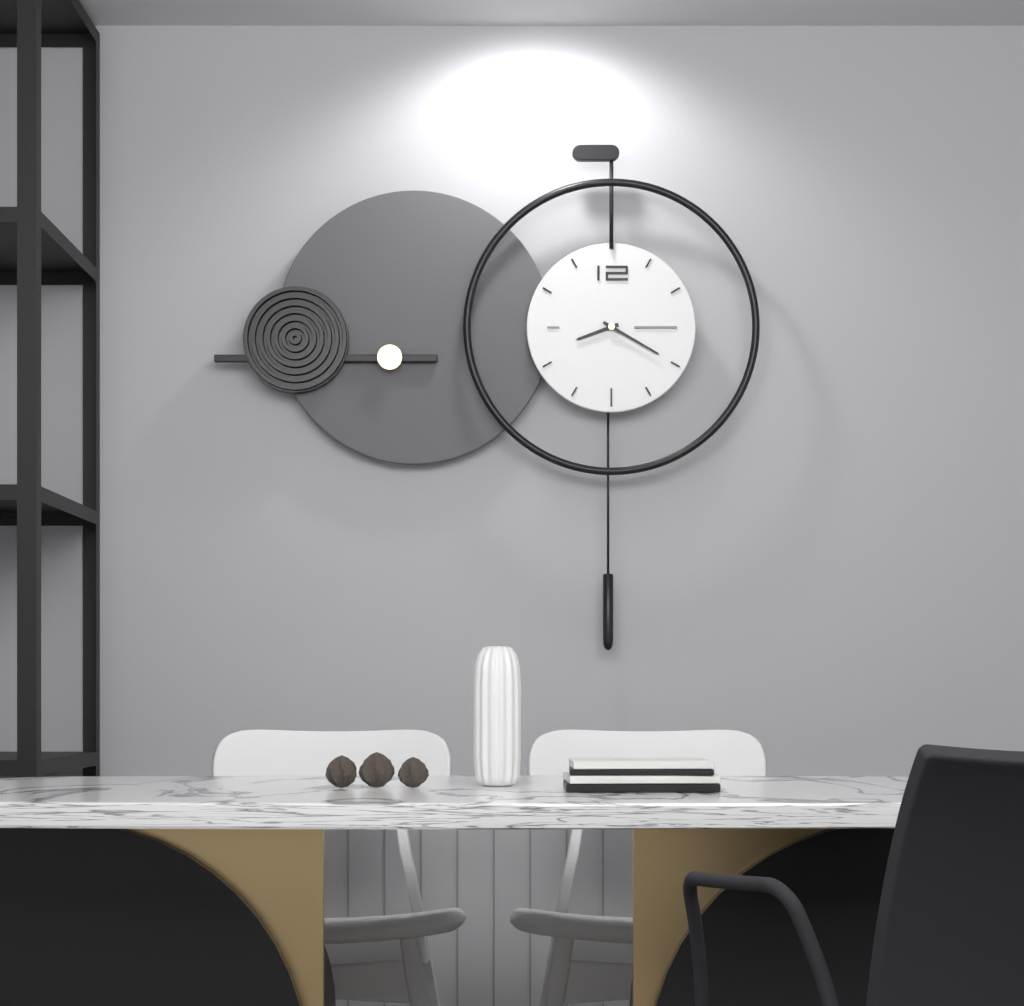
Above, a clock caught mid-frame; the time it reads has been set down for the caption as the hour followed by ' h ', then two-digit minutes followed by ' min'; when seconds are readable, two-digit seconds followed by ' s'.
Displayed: 8 h 20 min
